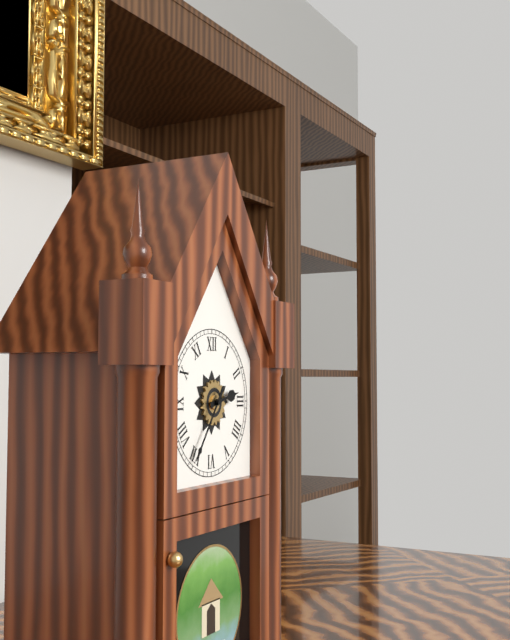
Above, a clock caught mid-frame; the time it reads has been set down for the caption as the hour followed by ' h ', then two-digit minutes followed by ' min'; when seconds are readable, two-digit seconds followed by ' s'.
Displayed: 2 h 36 min
